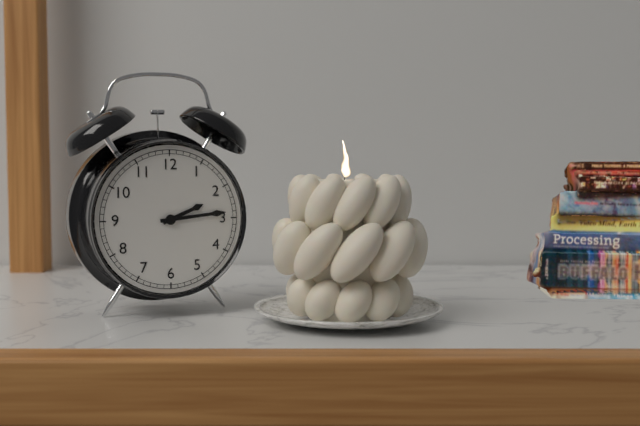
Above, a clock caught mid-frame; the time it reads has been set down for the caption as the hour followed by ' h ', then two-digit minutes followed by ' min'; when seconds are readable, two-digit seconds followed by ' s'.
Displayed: 2 h 14 min
